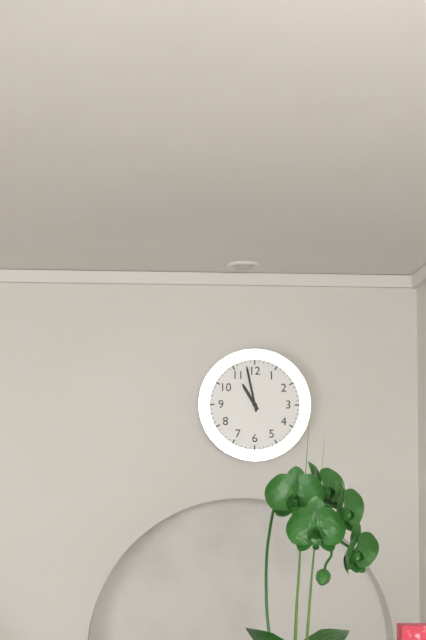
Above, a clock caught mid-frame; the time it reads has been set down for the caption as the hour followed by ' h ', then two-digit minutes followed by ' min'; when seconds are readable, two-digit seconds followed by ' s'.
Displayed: 10 h 58 min
